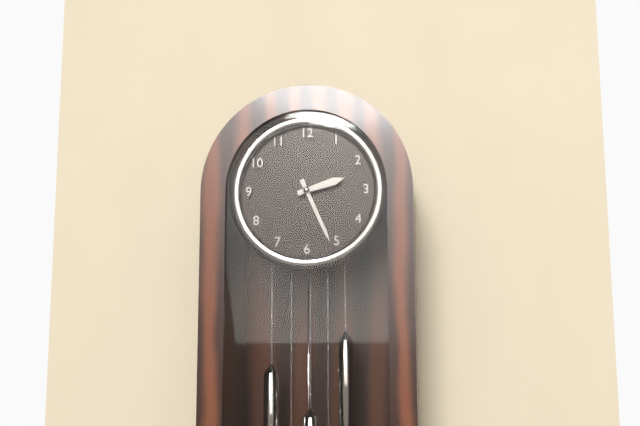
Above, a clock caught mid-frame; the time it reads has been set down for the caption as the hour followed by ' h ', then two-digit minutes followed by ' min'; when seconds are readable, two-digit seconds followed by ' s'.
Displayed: 2 h 26 min
